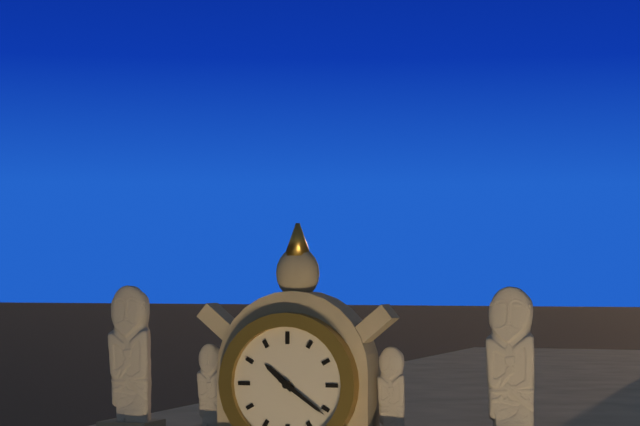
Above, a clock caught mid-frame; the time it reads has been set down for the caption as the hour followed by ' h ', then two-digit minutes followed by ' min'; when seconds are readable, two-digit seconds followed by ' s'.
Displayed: 10 h 21 min
